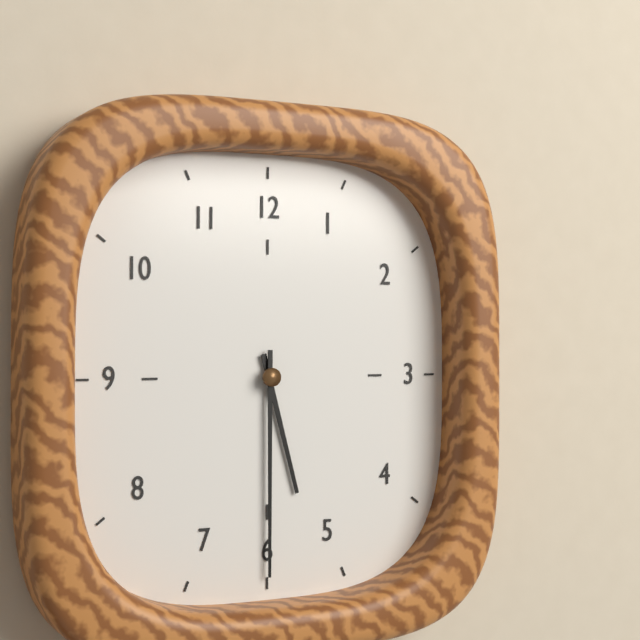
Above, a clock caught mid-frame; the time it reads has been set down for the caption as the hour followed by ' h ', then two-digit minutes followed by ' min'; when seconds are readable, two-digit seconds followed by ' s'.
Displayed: 5 h 30 min
